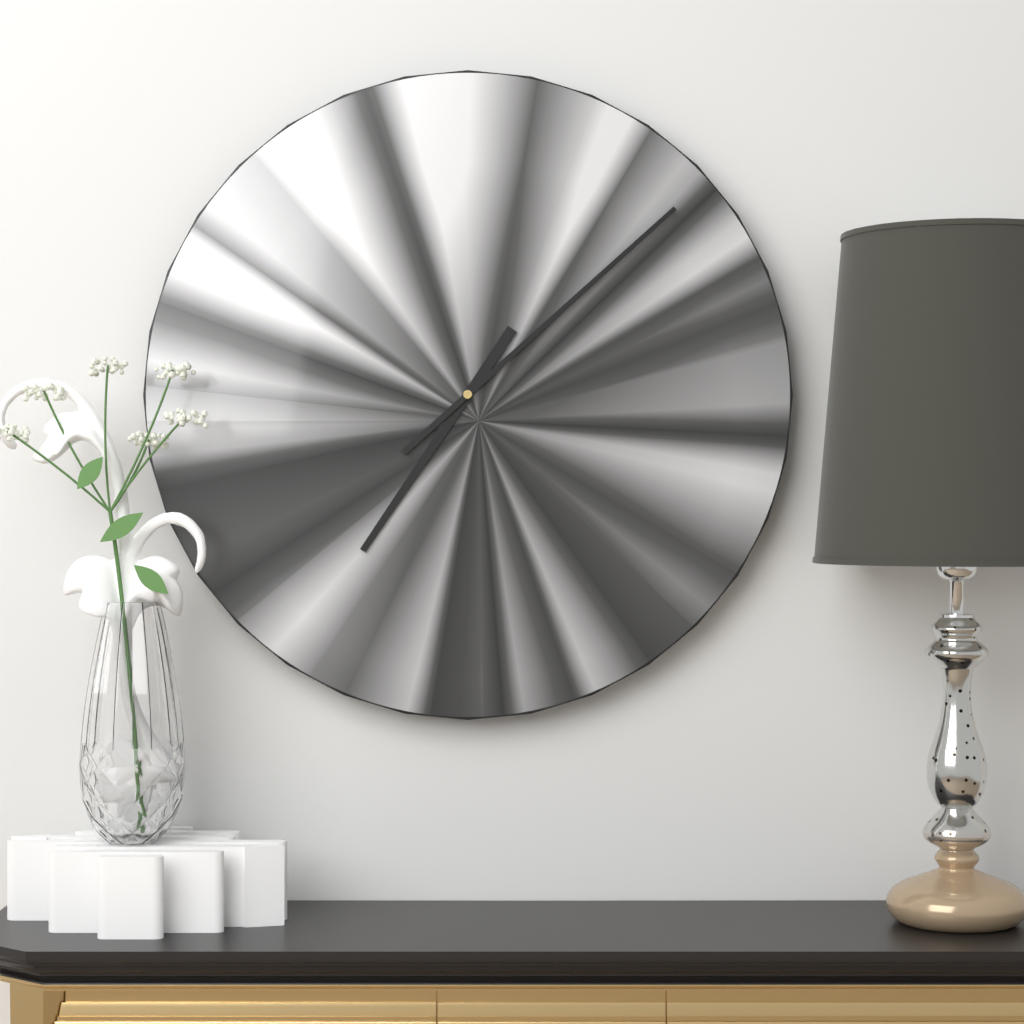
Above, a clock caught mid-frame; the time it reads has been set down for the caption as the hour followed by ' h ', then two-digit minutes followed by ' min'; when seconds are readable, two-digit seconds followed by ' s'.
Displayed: 7 h 08 min
